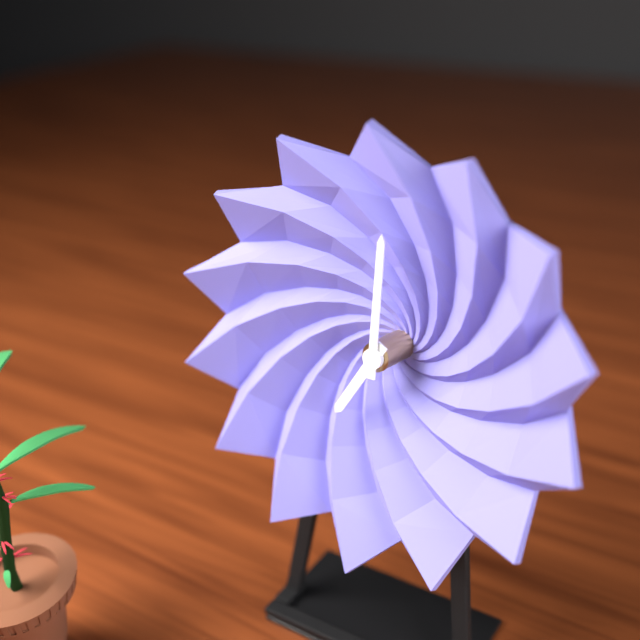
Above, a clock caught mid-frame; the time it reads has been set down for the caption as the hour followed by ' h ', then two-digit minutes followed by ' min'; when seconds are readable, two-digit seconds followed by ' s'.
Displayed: 7 h 00 min
